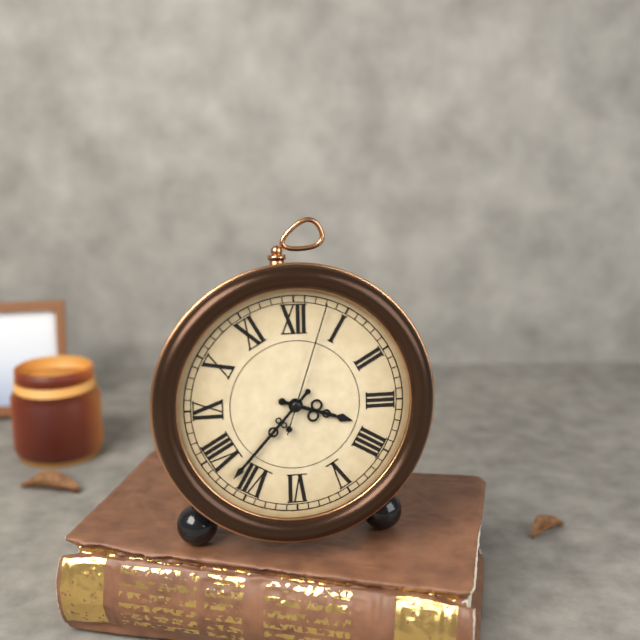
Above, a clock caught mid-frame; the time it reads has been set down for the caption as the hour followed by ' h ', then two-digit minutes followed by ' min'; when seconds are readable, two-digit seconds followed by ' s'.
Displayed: 3 h 37 min 03 s
